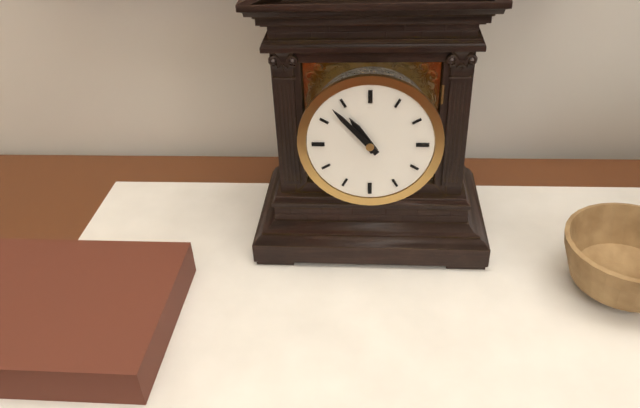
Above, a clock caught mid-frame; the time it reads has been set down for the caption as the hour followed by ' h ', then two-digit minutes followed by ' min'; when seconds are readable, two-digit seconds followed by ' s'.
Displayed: 10 h 53 min
